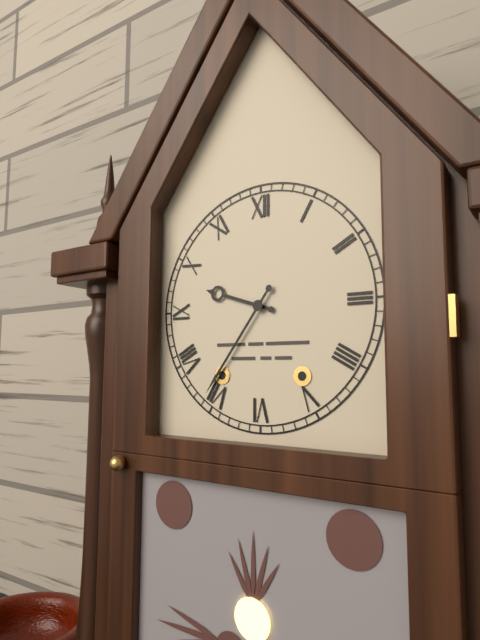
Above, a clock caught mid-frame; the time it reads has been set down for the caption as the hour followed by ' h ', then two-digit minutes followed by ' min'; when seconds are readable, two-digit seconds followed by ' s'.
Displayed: 9 h 36 min
